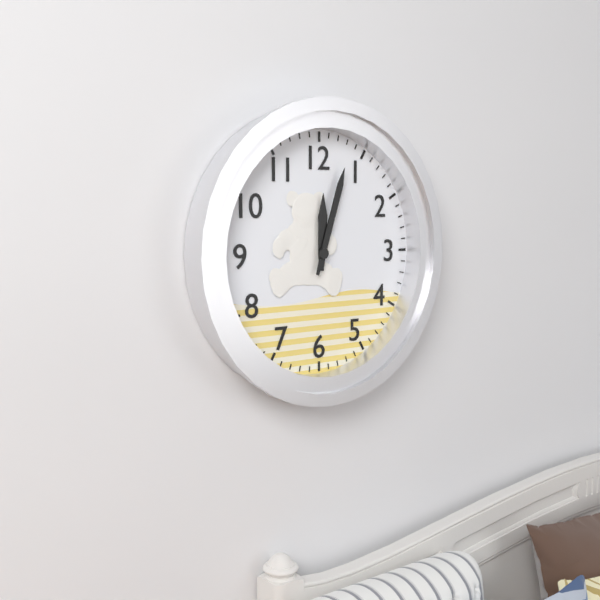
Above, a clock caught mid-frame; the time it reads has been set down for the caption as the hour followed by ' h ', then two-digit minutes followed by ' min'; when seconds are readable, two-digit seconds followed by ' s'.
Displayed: 12 h 03 min
